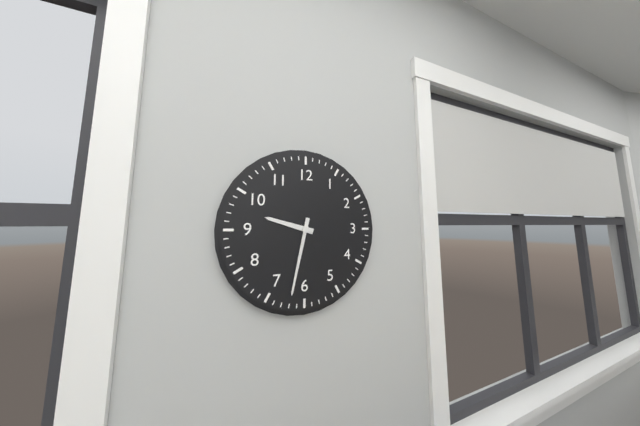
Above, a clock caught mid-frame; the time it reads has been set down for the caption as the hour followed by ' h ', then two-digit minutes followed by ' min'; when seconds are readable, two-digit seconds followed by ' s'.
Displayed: 9 h 32 min
